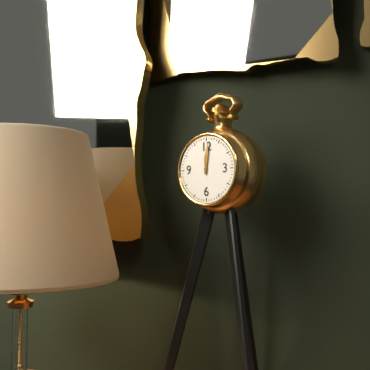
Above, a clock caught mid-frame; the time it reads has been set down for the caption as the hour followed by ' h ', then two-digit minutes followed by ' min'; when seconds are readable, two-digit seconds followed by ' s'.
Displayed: 12 h 01 min
